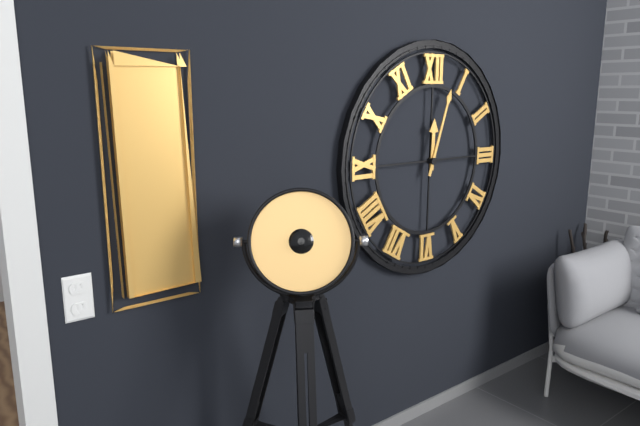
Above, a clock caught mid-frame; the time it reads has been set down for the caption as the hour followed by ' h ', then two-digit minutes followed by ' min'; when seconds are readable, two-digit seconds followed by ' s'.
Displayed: 12 h 03 min
